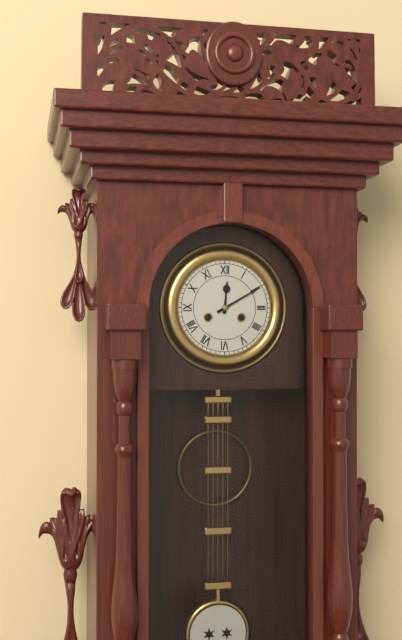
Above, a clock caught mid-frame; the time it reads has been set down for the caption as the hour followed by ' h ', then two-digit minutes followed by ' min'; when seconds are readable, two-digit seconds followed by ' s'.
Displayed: 12 h 10 min
